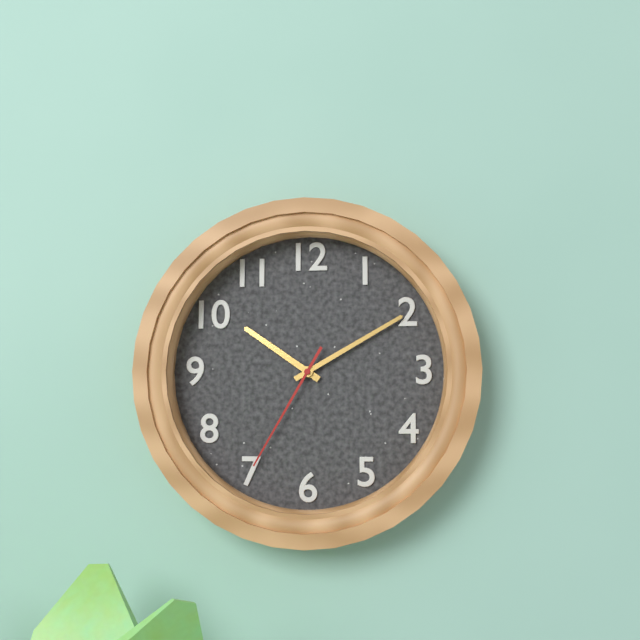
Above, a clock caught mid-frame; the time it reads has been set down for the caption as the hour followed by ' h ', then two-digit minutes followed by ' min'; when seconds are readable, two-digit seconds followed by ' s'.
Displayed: 10 h 10 min 35 s
